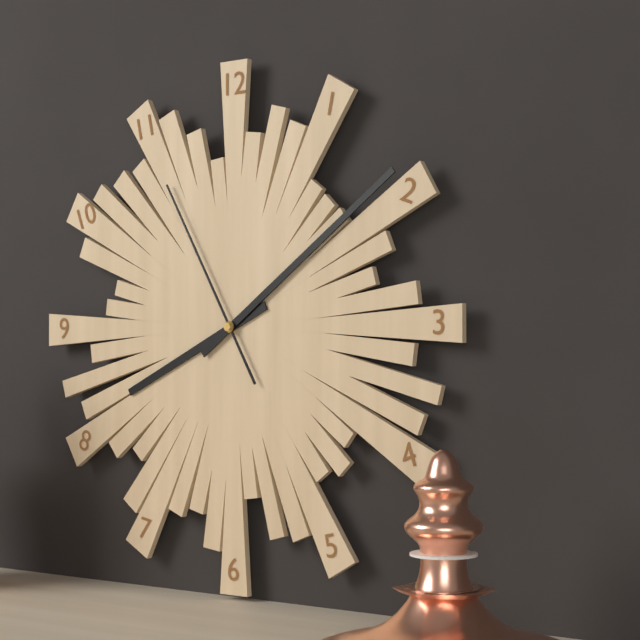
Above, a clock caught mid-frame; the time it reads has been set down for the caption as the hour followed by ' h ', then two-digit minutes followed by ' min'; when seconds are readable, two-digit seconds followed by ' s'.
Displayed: 8 h 09 min 55 s
